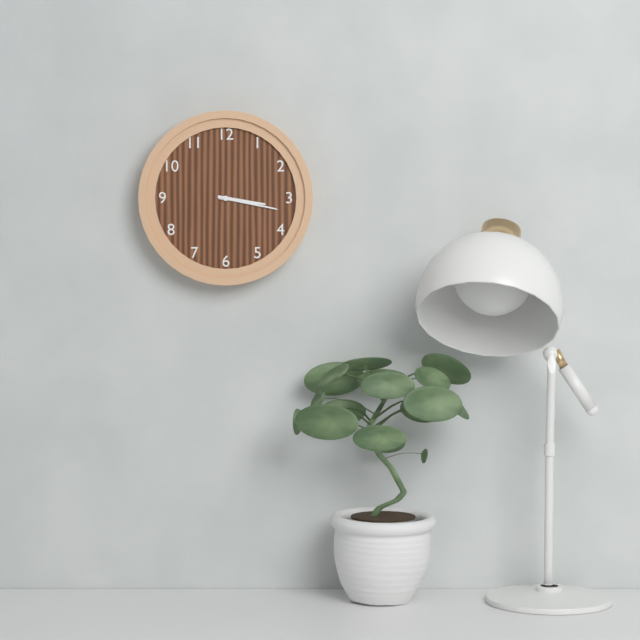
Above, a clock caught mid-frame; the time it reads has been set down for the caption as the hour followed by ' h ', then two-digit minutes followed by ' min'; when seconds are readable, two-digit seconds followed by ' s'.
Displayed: 3 h 17 min
